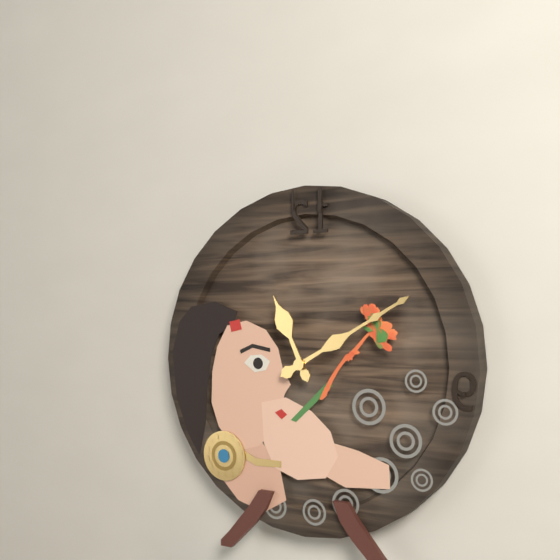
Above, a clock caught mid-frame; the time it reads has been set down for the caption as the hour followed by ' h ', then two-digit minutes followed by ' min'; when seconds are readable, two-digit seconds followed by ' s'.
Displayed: 11 h 10 min
